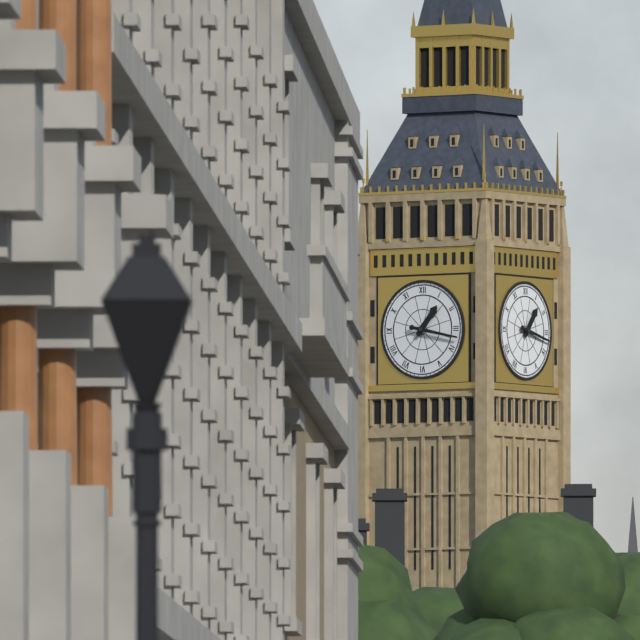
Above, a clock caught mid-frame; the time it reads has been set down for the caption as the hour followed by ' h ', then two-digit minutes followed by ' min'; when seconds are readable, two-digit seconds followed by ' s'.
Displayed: 1 h 17 min
